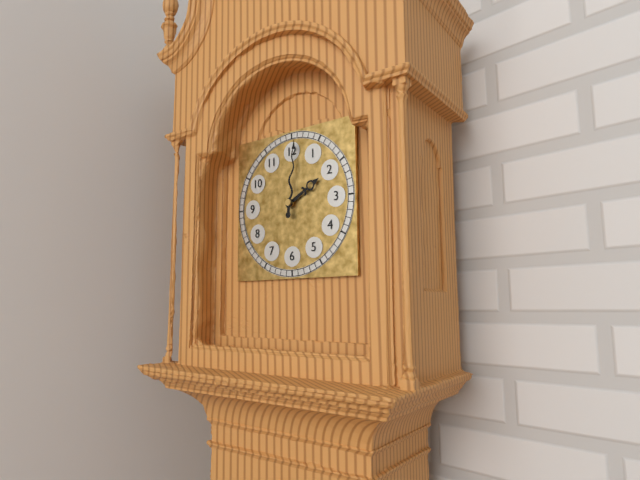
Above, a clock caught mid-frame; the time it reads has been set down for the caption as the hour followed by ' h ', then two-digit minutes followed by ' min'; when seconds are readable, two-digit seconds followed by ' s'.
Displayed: 2 h 01 min
